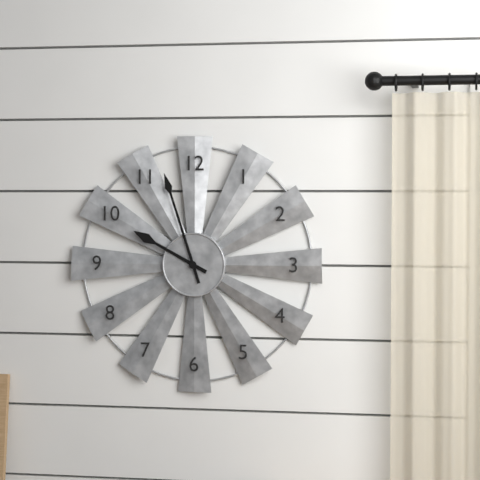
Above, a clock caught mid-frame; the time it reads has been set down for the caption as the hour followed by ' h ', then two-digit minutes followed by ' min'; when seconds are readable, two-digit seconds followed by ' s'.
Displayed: 9 h 57 min
